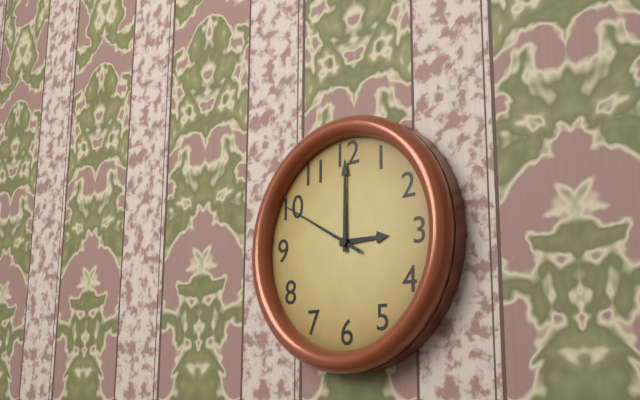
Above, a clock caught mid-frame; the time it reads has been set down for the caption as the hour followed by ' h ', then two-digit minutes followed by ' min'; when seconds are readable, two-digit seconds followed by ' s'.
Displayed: 3 h 00 min 50 s
